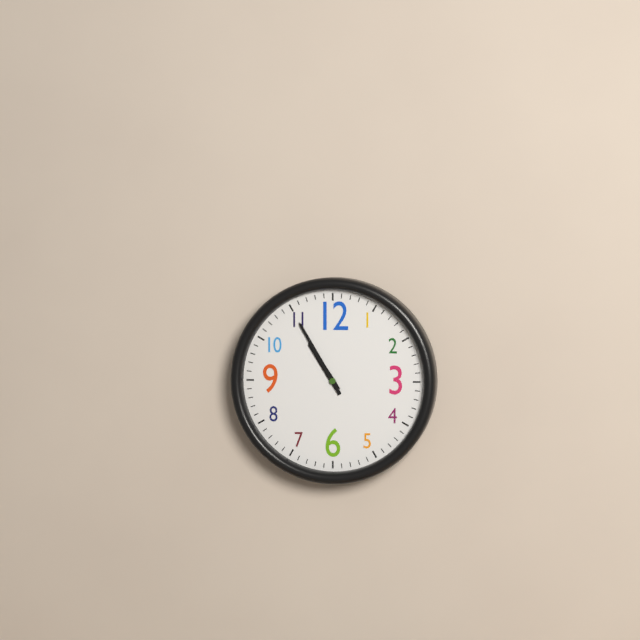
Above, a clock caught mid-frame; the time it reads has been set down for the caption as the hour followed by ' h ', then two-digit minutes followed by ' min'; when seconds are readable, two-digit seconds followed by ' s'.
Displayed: 10 h 55 min
